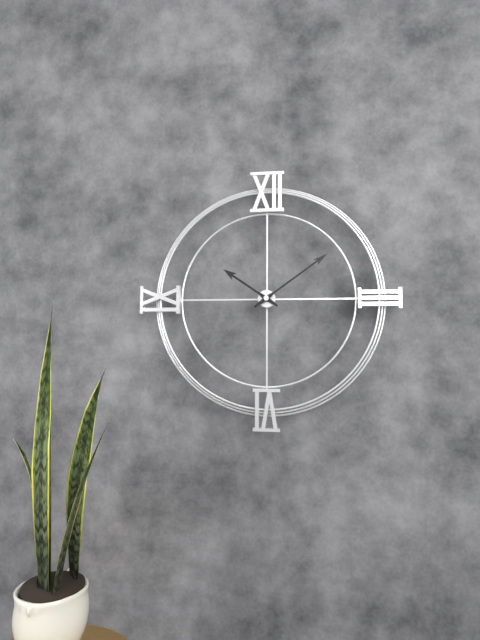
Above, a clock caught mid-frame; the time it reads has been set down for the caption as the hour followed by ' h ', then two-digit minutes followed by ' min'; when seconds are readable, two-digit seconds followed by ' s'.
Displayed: 10 h 09 min
